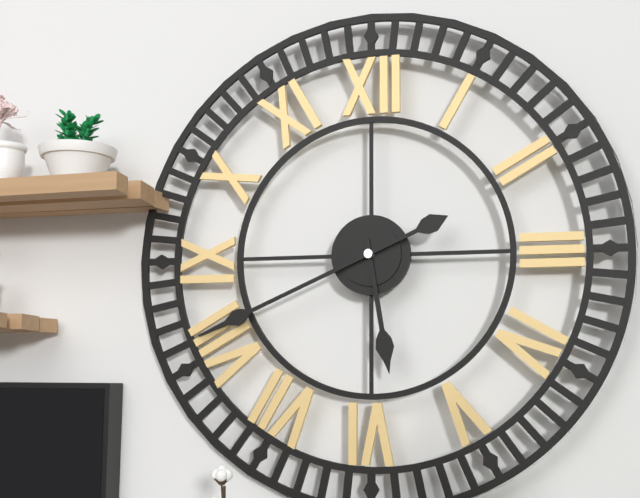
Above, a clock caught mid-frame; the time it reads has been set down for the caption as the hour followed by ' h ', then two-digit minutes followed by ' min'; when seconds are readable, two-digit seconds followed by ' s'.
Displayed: 5 h 41 min
